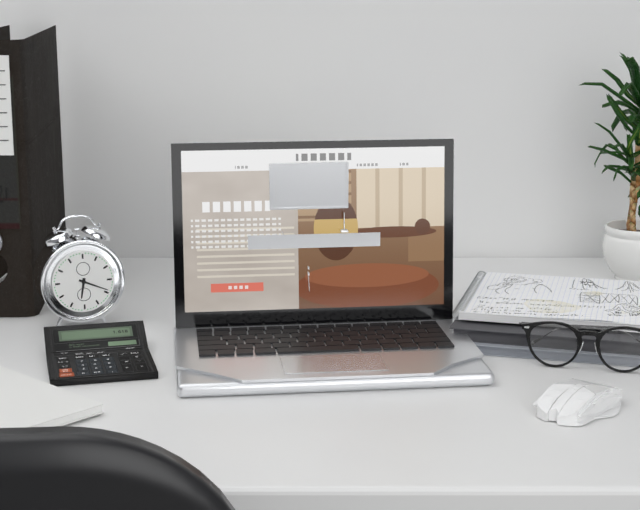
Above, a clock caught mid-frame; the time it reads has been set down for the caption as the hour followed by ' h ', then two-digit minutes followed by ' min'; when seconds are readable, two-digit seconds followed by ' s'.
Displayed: 6 h 19 min
